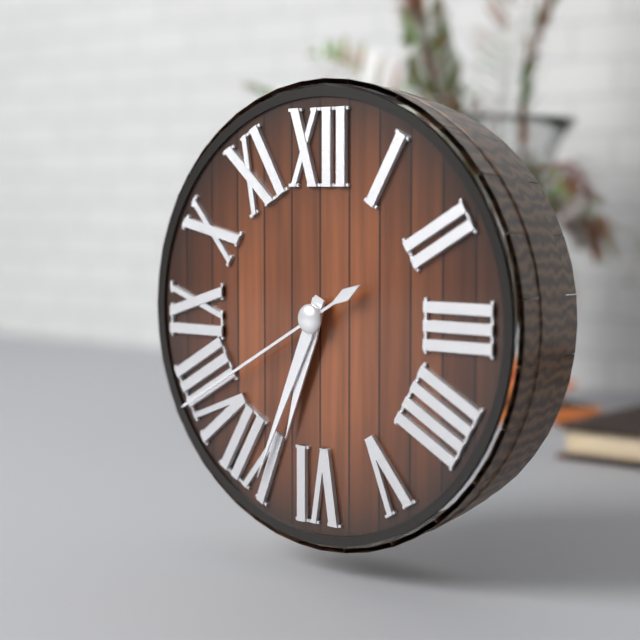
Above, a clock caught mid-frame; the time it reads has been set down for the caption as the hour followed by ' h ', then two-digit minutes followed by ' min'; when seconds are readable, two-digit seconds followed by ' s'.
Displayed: 6 h 34 min 40 s
